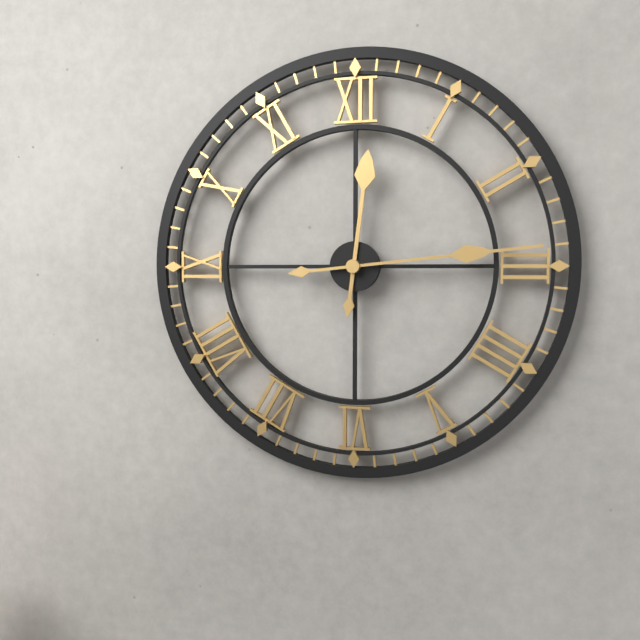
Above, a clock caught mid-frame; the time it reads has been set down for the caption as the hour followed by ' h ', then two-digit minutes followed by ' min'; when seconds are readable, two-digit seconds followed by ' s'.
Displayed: 12 h 14 min
